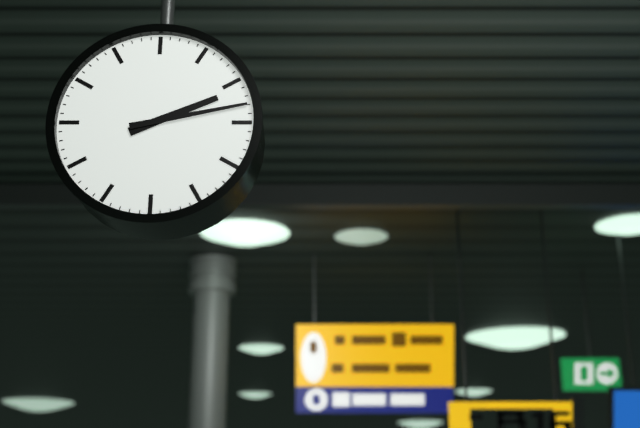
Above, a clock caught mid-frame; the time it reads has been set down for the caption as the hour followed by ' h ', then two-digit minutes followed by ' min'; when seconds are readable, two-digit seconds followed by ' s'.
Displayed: 2 h 13 min
